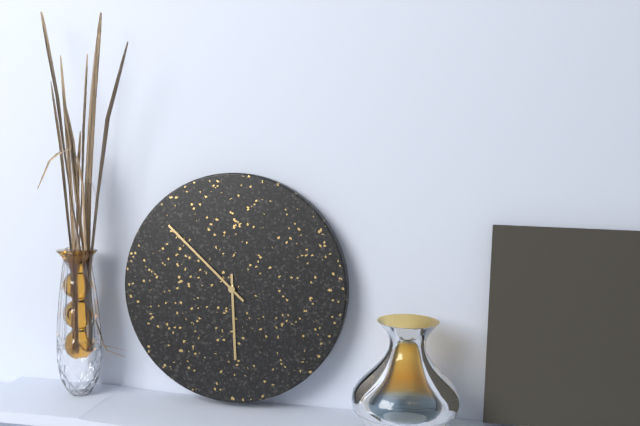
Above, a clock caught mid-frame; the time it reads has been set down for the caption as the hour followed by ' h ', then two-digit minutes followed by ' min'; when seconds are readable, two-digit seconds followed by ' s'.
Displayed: 5 h 52 min
